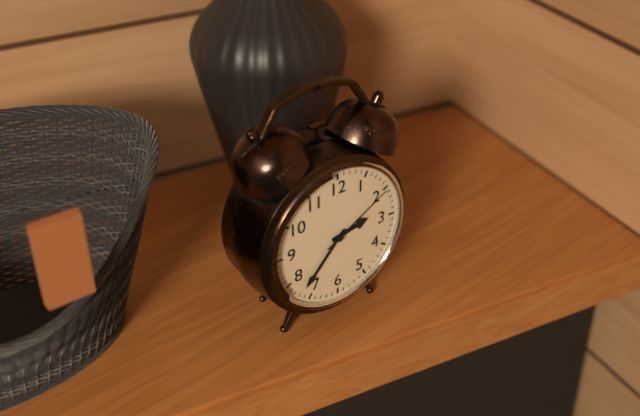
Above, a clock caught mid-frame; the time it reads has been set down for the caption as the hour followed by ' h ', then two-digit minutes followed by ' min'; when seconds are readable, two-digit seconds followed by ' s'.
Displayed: 2 h 37 min 10 s
